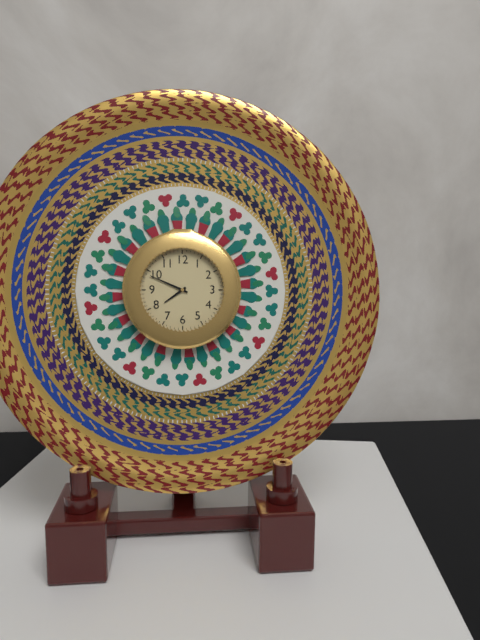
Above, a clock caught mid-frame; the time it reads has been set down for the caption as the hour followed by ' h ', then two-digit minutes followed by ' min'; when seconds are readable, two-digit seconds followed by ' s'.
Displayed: 7 h 49 min
